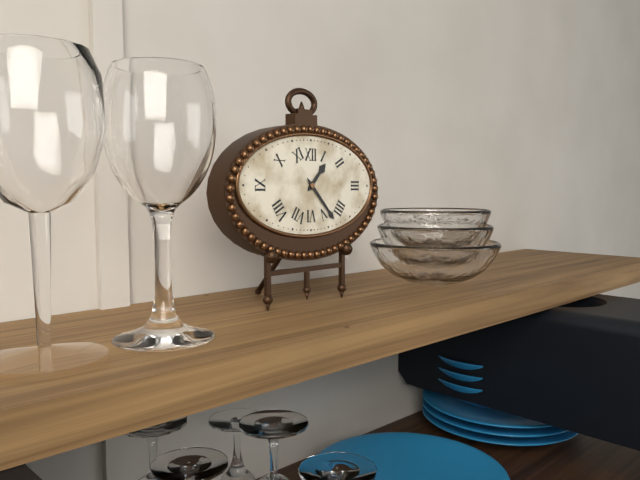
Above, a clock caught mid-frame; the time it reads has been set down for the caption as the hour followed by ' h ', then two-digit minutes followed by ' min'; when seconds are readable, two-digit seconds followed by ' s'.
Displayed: 1 h 23 min
